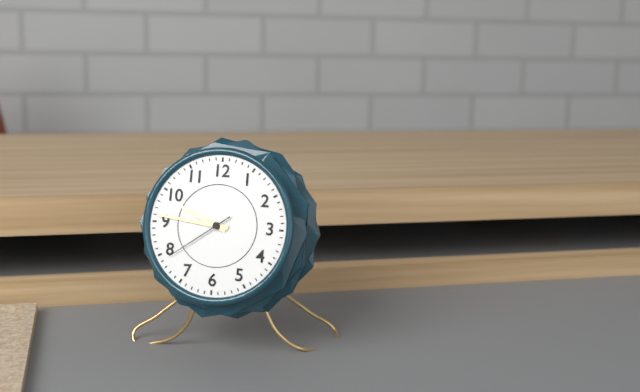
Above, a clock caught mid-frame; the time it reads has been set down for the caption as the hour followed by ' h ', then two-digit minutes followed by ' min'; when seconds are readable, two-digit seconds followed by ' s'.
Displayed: 9 h 46 min 39 s
